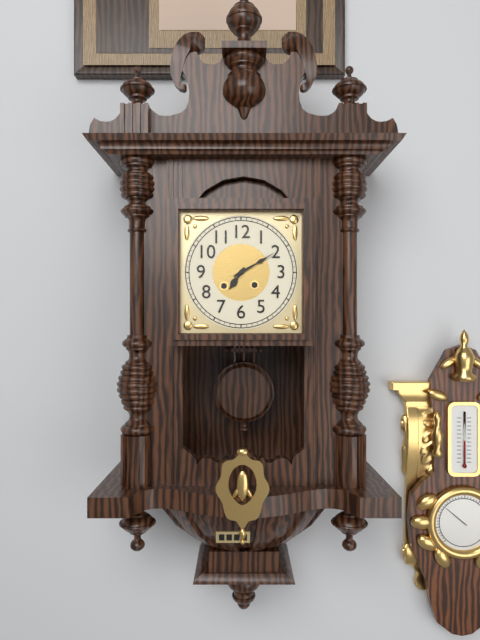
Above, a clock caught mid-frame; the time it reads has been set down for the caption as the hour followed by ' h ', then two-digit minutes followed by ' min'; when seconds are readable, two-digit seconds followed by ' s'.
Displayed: 7 h 10 min
